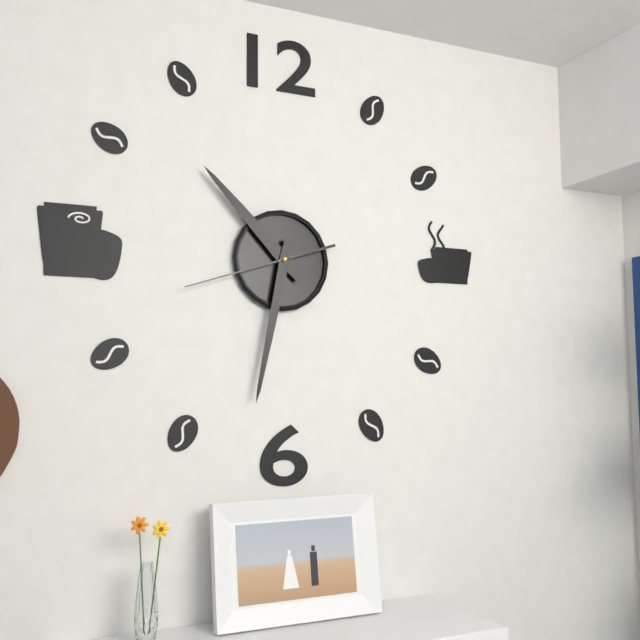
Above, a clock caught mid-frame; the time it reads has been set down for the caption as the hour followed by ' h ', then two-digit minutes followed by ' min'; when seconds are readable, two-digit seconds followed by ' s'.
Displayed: 10 h 32 min 42 s
